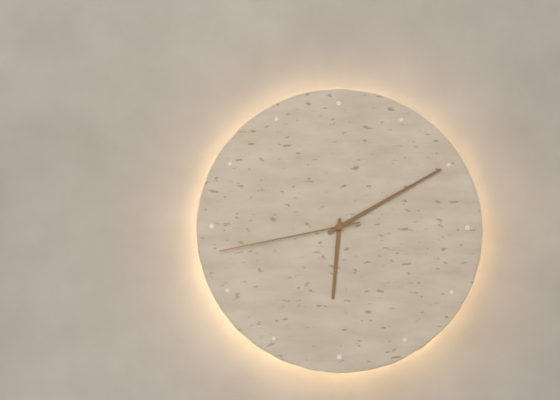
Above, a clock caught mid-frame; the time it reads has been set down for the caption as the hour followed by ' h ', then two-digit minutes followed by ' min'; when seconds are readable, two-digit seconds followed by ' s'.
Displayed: 6 h 10 min 43 s
